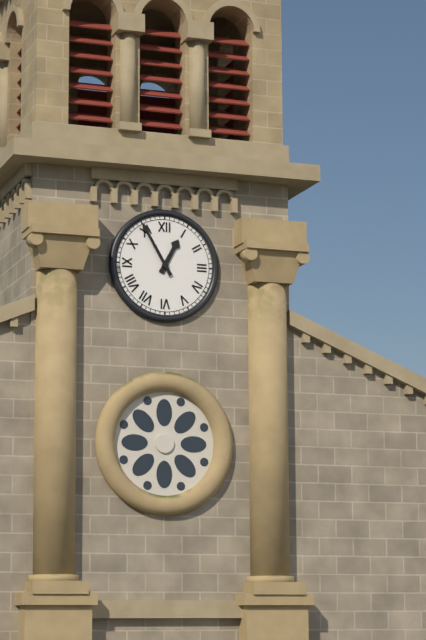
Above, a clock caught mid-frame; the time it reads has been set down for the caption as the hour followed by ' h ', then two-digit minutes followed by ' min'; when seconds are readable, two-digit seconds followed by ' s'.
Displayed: 12 h 55 min
